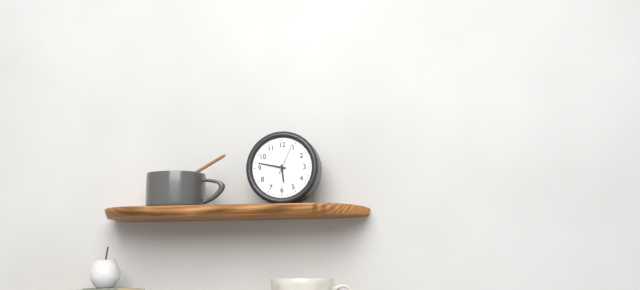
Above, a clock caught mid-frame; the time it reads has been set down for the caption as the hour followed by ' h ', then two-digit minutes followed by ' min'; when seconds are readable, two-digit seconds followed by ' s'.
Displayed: 5 h 47 min
